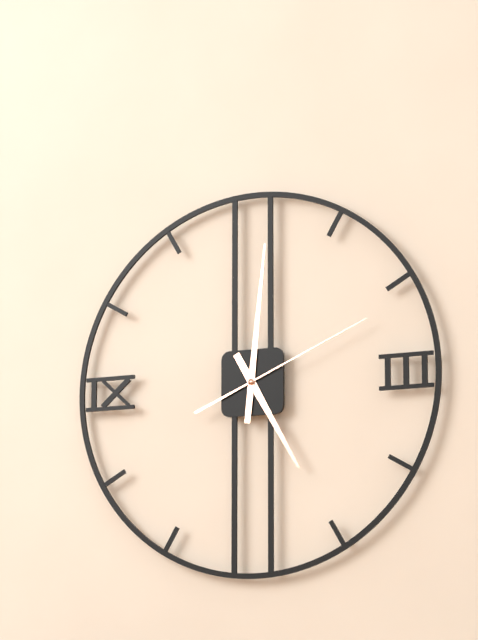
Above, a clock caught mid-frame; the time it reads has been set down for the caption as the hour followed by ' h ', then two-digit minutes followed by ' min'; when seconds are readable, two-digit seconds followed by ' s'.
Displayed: 5 h 01 min 11 s
